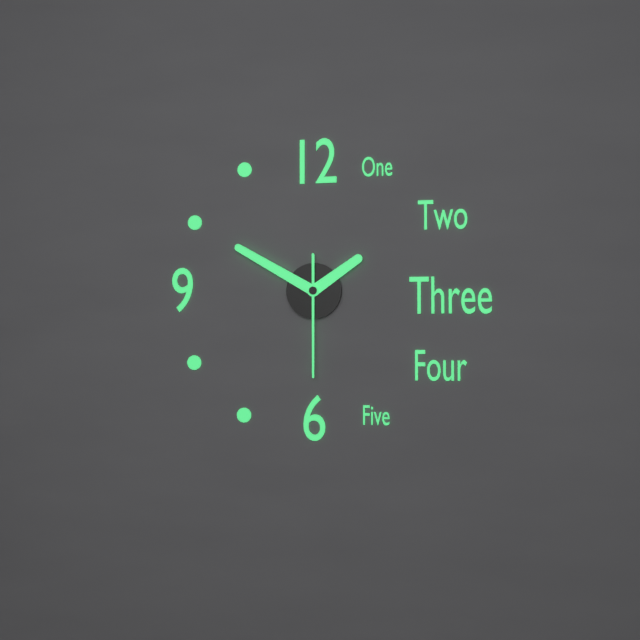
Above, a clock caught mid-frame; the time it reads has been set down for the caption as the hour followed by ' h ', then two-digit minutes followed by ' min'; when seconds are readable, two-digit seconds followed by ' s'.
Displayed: 1 h 50 min 30 s
